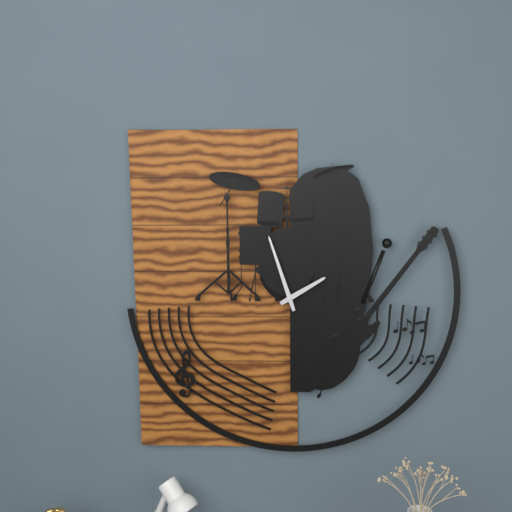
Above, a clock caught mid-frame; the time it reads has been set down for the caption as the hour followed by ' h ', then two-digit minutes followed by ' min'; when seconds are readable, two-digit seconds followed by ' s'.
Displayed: 1 h 57 min
